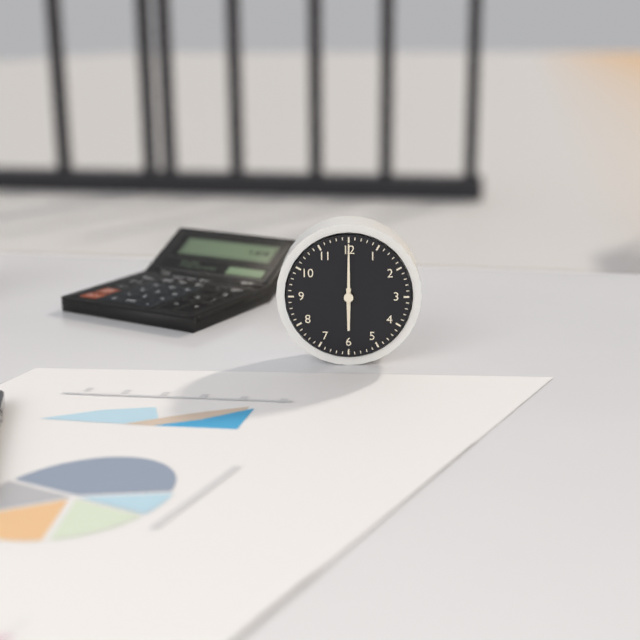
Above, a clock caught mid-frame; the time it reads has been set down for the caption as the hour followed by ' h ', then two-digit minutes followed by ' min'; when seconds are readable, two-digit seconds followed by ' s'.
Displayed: 6 h 00 min
